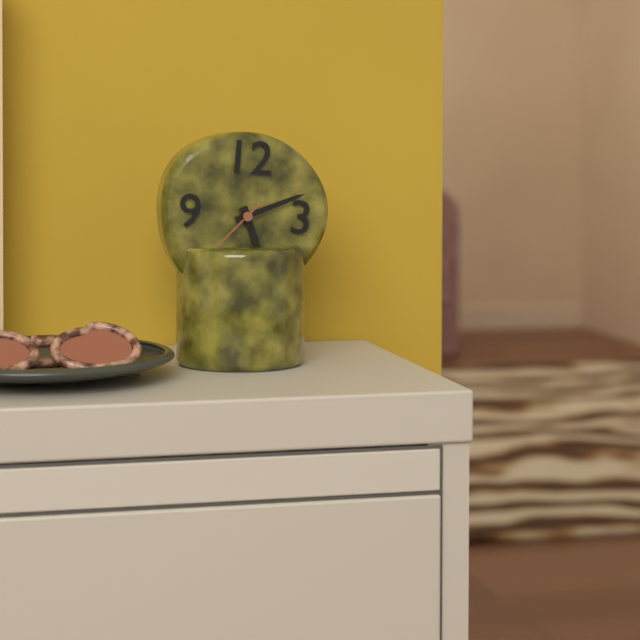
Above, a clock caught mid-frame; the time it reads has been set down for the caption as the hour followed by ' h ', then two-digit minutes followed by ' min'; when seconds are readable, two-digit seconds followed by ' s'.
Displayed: 5 h 11 min
